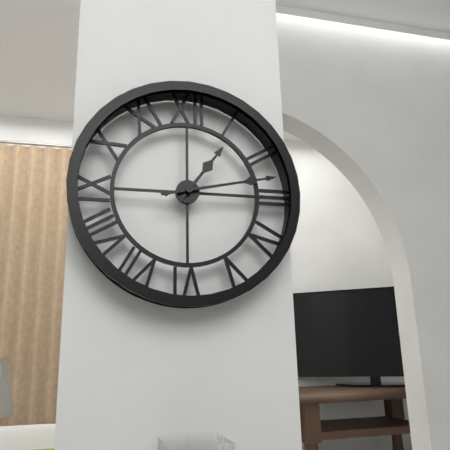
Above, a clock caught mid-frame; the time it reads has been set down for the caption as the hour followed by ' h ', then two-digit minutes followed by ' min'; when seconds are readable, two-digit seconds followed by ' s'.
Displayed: 1 h 13 min
